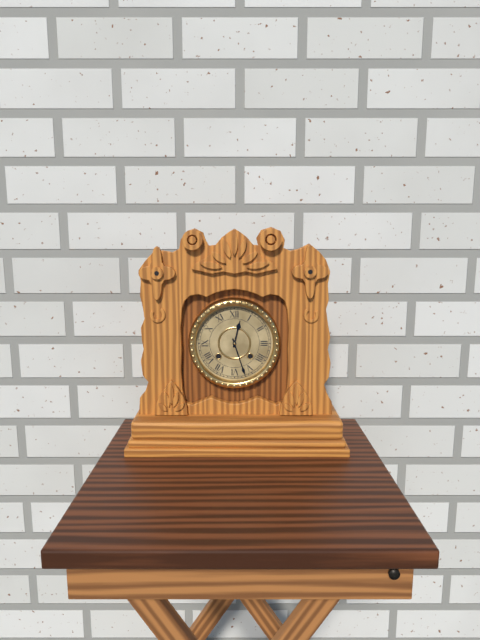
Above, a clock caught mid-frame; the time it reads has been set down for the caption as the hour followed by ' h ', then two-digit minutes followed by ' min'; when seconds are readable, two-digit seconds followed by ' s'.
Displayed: 12 h 27 min
